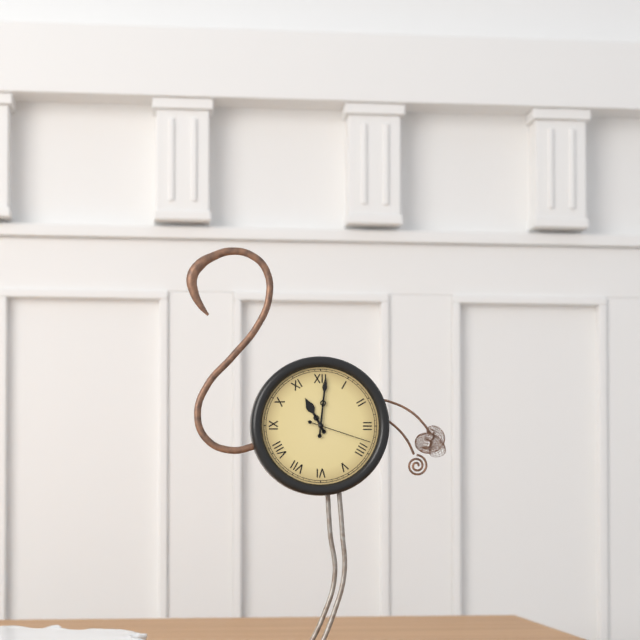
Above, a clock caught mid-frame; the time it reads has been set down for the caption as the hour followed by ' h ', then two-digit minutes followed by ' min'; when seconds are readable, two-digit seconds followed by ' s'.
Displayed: 11 h 01 min 18 s
